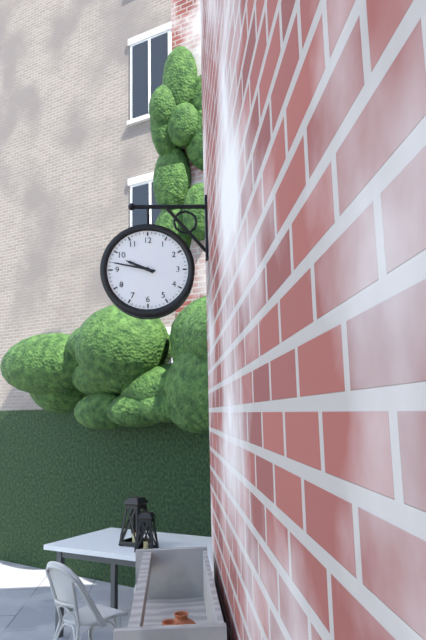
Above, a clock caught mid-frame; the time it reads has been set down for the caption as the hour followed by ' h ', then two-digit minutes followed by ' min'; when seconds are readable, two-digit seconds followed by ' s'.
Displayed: 9 h 47 min
